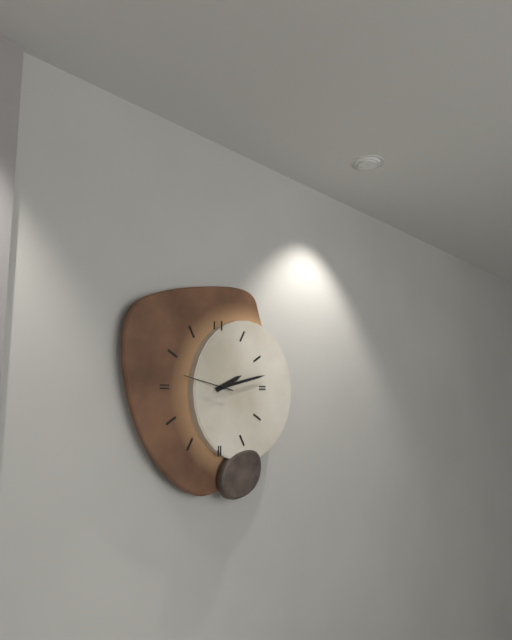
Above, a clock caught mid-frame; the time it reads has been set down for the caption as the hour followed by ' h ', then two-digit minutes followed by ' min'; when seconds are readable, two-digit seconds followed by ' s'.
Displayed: 2 h 13 min 47 s
